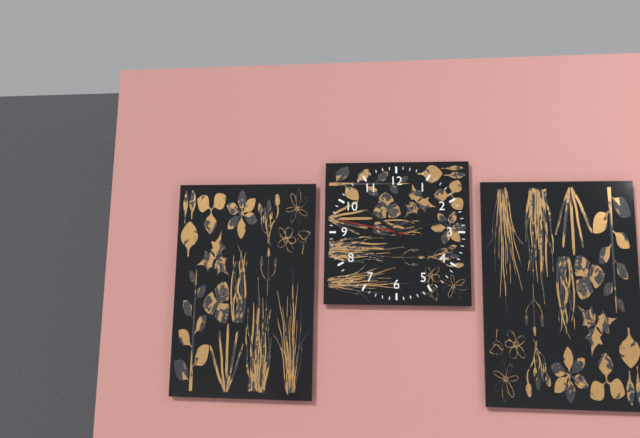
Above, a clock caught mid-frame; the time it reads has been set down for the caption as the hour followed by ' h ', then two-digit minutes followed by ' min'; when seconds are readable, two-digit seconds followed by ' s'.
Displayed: 10 h 13 min 47 s
